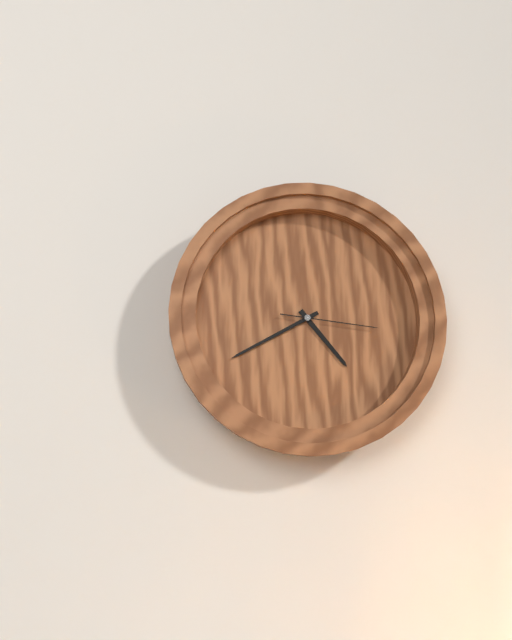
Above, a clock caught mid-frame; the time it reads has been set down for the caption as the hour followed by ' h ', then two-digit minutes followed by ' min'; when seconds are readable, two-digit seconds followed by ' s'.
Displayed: 4 h 40 min 16 s
